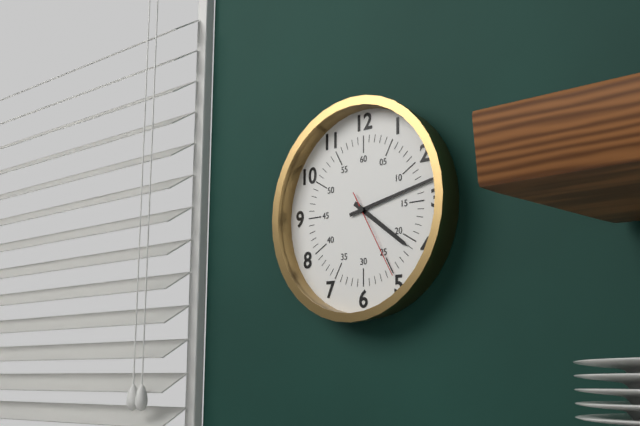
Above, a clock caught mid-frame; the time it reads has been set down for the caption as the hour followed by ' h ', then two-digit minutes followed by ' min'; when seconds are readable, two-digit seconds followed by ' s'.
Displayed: 4 h 13 min 25 s
